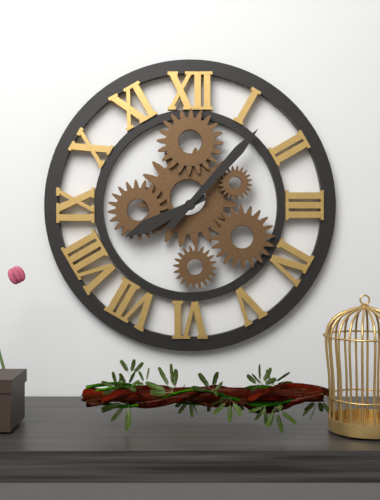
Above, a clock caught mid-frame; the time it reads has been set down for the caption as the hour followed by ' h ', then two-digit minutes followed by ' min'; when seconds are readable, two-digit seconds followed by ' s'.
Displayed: 8 h 07 min
